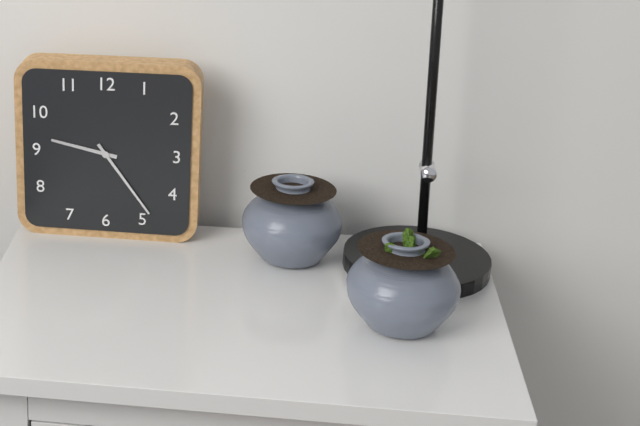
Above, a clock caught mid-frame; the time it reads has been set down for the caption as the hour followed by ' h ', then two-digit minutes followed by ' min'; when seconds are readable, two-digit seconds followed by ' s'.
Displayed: 9 h 24 min
